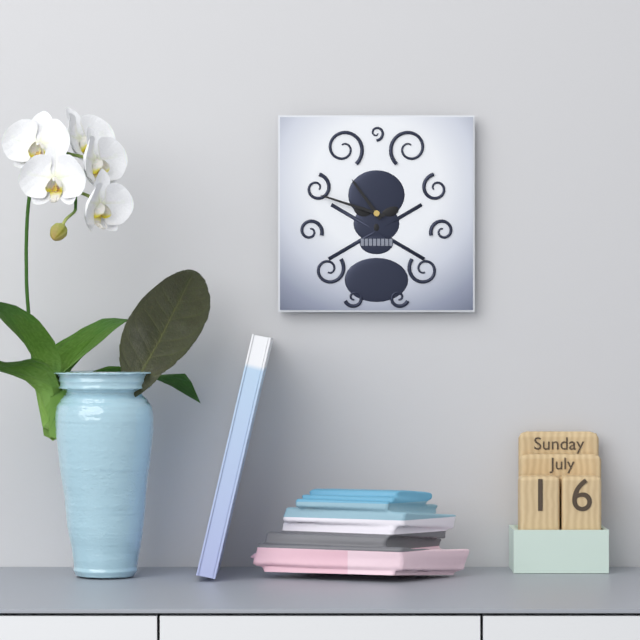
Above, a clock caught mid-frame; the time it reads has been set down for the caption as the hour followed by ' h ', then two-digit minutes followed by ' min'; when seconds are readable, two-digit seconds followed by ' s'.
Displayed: 10 h 48 min
